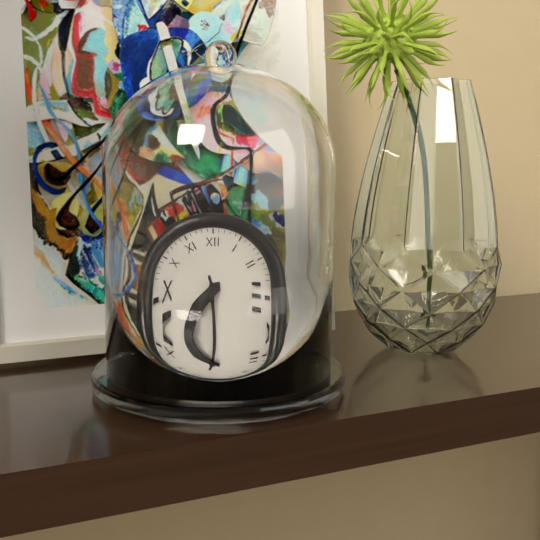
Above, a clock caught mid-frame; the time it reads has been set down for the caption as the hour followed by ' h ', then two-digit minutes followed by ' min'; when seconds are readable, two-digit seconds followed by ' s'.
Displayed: 8 h 27 min
